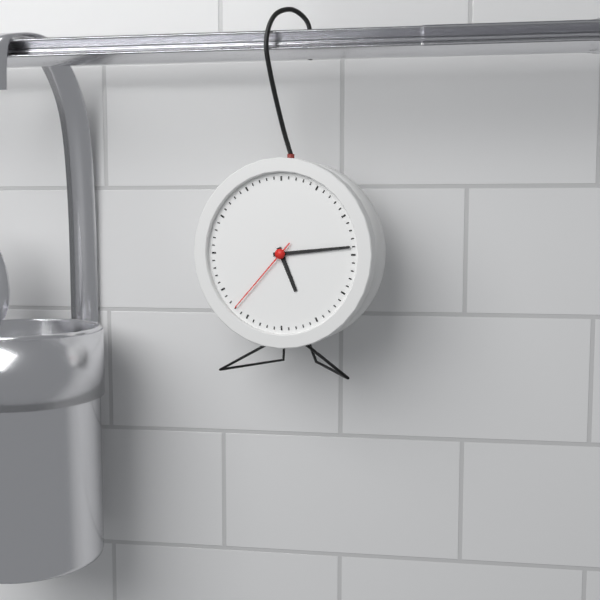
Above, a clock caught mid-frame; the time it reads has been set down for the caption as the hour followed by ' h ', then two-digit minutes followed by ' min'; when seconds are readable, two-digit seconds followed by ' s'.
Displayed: 5 h 14 min 37 s
